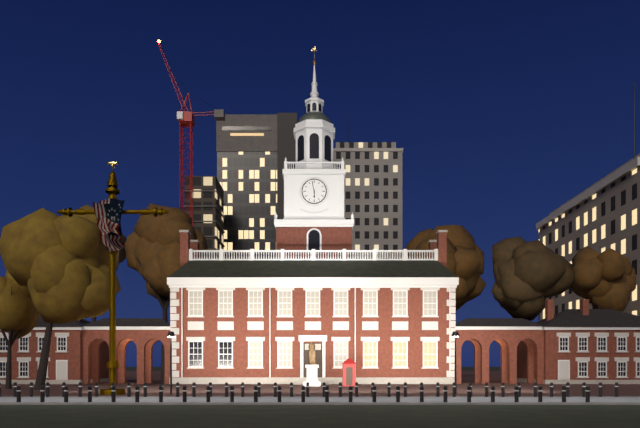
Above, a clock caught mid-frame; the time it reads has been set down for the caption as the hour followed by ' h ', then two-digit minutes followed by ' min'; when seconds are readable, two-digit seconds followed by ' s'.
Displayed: 5 h 58 min
